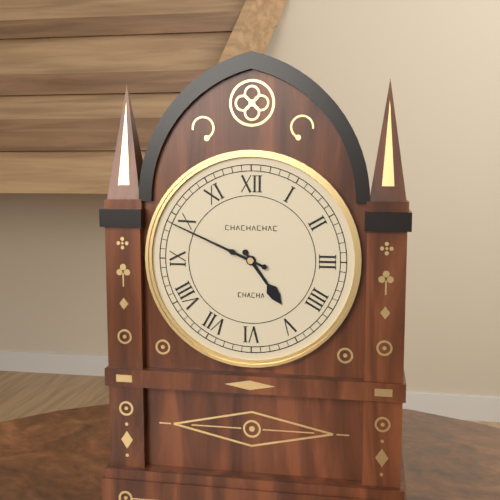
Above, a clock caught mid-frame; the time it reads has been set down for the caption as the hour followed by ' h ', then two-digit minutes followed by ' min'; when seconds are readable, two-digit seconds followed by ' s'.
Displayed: 4 h 49 min
